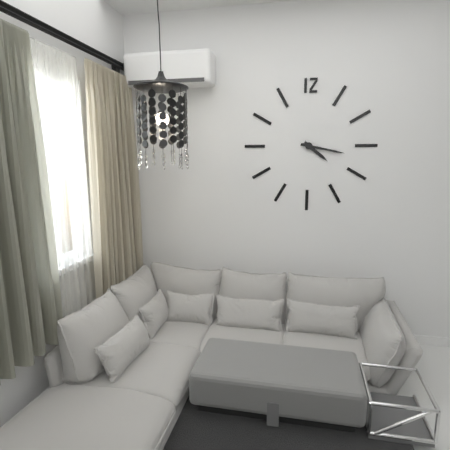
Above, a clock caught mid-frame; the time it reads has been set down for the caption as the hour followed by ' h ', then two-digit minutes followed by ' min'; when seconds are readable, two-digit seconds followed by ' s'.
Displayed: 4 h 17 min
